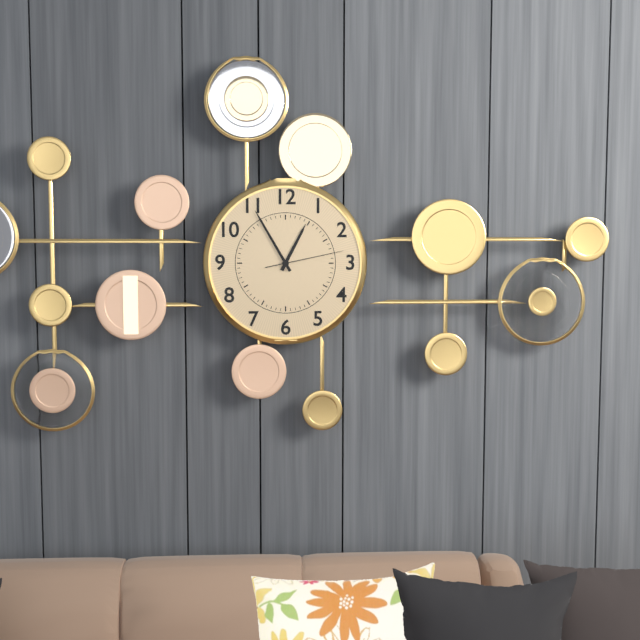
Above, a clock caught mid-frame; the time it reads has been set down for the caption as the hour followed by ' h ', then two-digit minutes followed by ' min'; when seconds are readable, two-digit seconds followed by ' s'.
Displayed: 12 h 55 min 13 s
